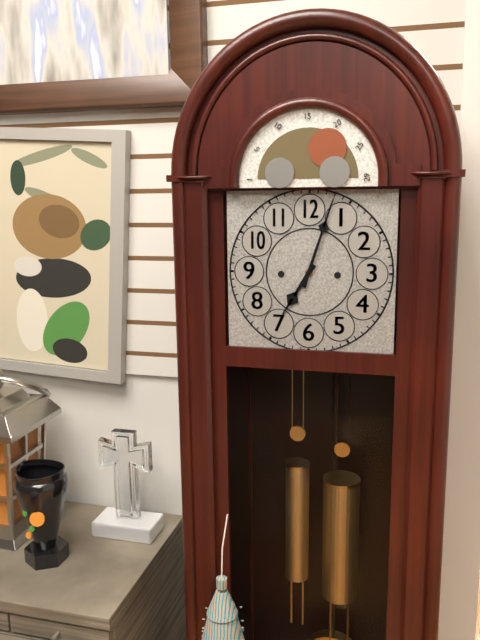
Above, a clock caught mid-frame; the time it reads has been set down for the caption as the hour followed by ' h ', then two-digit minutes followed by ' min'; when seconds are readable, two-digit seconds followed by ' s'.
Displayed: 7 h 03 min
